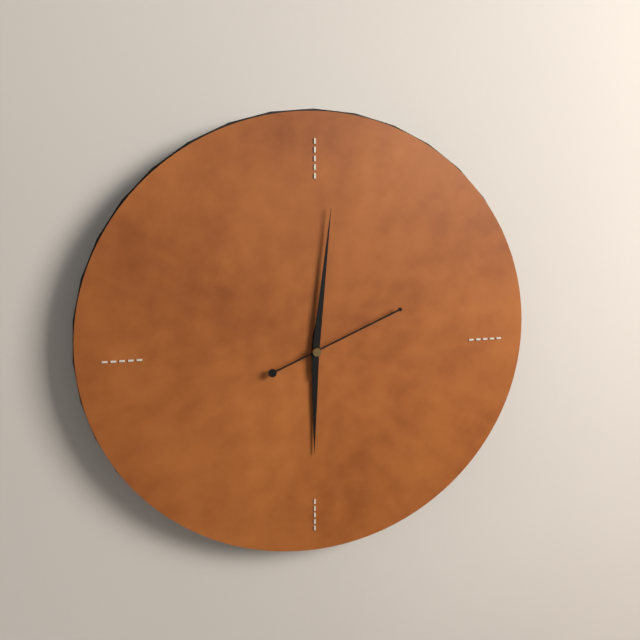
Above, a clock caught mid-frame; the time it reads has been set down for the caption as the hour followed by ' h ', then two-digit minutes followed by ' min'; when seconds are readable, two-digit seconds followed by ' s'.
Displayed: 6 h 01 min 11 s
